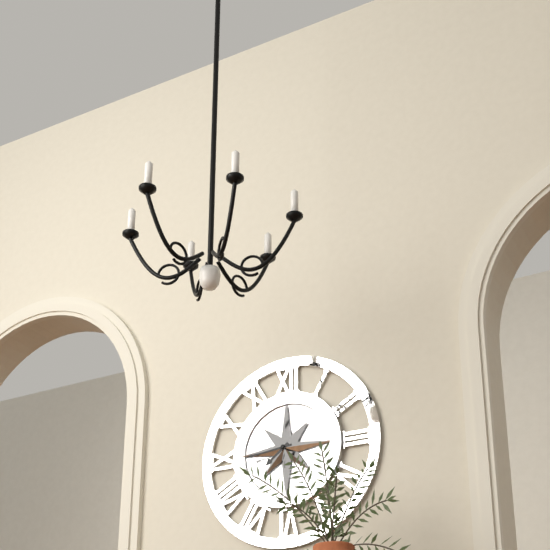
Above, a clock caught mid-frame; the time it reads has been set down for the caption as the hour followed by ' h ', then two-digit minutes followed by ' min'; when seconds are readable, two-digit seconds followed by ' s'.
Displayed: 7 h 44 min
